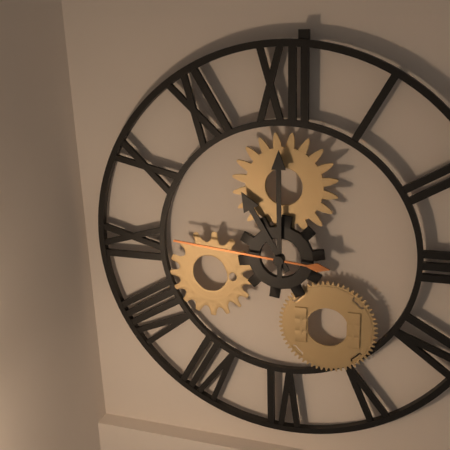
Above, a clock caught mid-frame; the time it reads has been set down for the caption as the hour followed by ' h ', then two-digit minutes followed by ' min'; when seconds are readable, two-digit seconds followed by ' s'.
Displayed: 11 h 00 min 46 s
